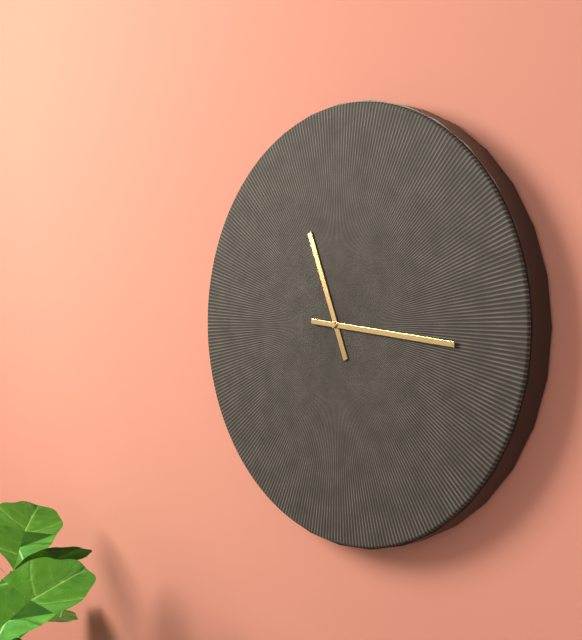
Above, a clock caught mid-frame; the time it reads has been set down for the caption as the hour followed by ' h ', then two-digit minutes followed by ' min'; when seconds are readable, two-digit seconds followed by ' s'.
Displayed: 11 h 16 min
